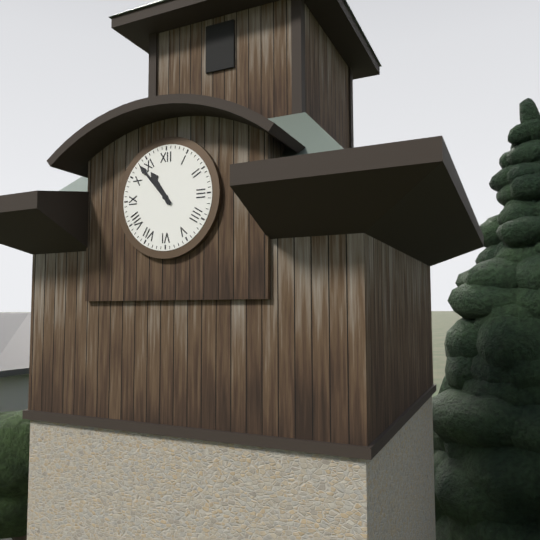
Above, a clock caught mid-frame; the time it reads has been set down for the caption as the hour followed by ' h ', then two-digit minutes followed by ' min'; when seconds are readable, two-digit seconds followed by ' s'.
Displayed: 10 h 53 min
